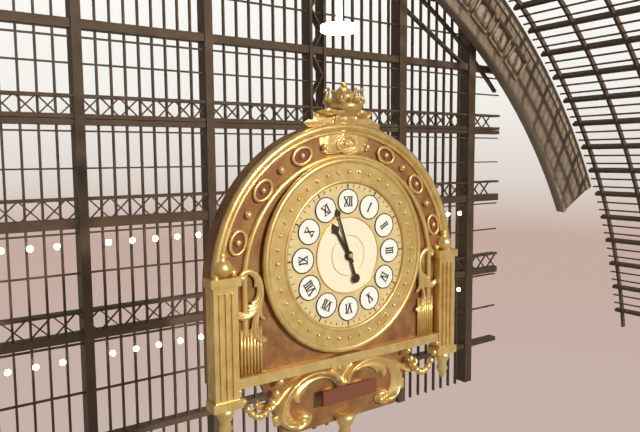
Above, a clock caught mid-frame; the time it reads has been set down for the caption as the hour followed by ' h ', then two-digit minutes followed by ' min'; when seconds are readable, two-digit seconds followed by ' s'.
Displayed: 10 h 57 min
